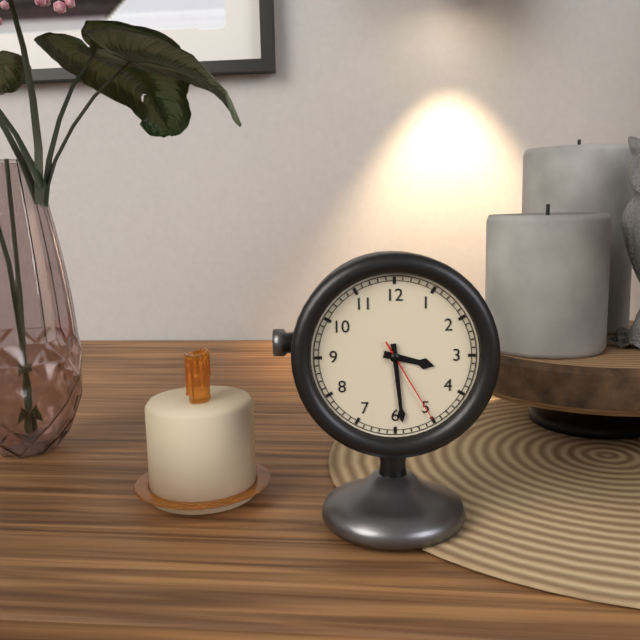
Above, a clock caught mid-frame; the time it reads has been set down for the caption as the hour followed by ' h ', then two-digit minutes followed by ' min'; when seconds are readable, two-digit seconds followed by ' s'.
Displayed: 3 h 29 min 25 s
